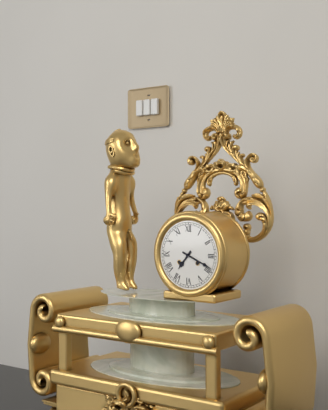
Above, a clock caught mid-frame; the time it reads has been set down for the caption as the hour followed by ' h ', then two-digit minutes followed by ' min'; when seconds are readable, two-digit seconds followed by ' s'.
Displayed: 7 h 19 min
